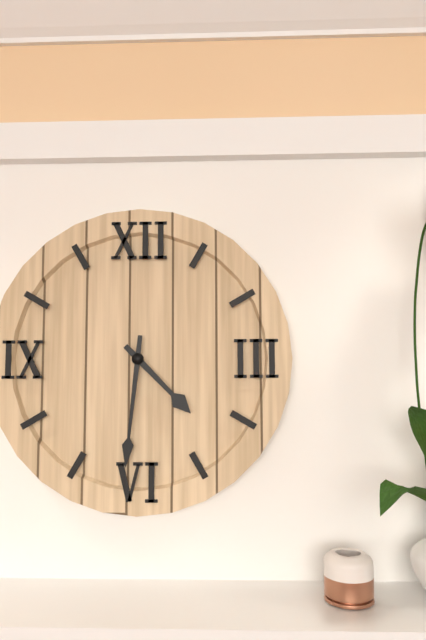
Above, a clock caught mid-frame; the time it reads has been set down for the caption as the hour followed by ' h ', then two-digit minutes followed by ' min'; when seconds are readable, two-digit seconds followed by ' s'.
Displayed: 4 h 31 min
